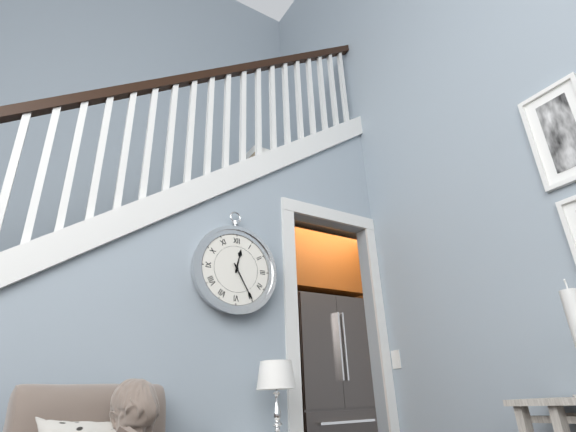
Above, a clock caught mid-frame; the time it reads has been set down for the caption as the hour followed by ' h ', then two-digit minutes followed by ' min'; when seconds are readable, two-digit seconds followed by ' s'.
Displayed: 12 h 25 min
